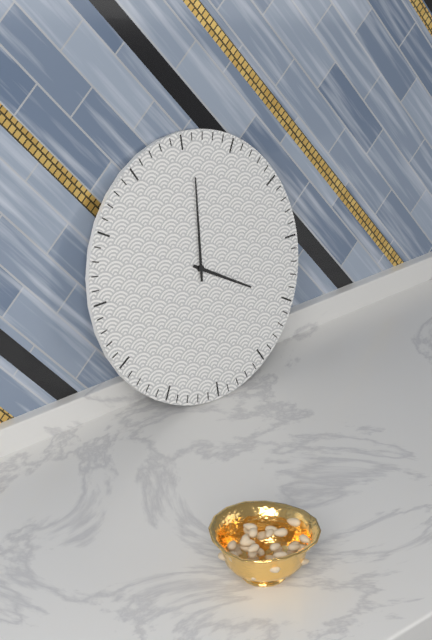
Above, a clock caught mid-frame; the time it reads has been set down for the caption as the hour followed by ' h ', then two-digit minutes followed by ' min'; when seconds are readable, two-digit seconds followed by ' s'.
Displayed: 4 h 01 min
